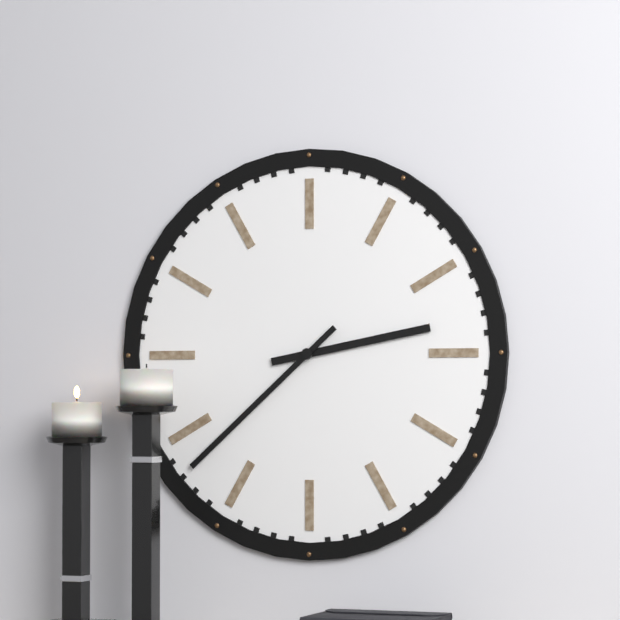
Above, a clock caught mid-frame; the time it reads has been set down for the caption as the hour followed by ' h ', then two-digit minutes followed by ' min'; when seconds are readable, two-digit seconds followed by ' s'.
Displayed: 2 h 38 min
